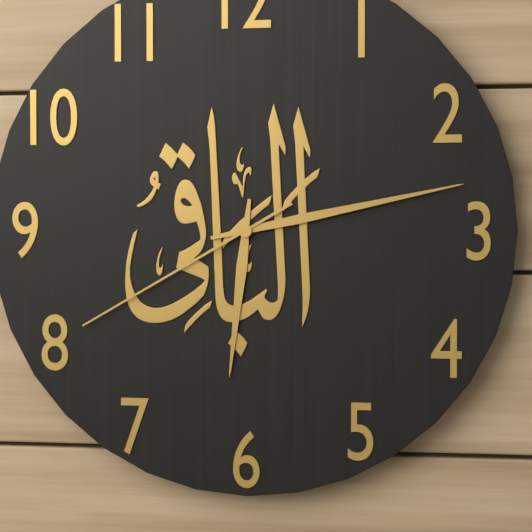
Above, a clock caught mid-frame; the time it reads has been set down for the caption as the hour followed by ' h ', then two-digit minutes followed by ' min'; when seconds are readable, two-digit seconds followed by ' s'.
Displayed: 6 h 13 min 40 s
